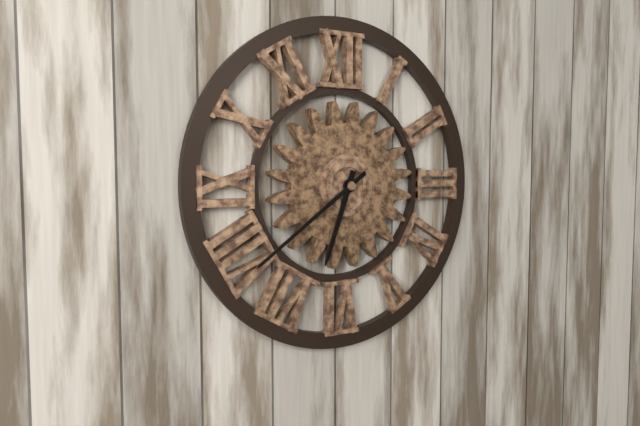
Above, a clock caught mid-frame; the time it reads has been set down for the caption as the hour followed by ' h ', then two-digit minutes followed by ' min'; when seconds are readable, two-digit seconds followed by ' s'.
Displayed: 6 h 39 min
